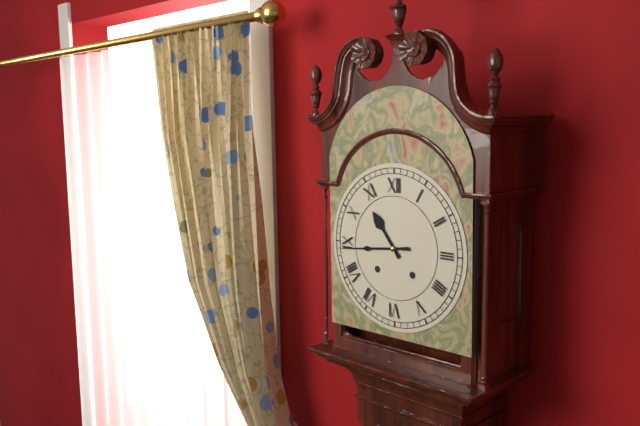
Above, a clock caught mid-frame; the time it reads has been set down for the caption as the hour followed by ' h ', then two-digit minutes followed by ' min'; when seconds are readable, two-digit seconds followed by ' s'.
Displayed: 10 h 44 min
